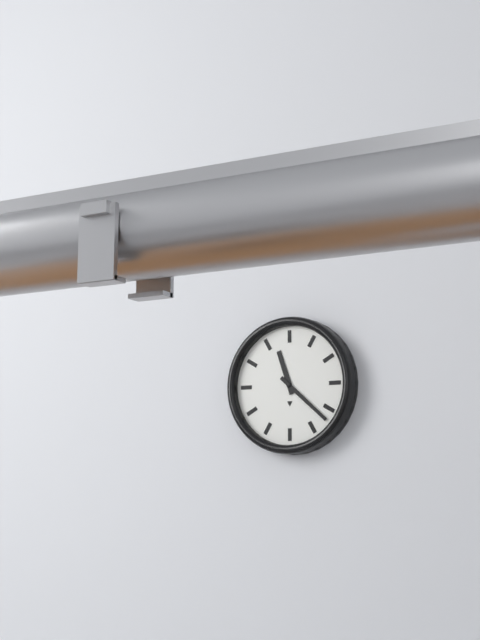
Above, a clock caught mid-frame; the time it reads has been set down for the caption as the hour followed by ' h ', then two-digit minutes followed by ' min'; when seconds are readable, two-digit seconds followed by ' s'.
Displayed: 11 h 22 min
